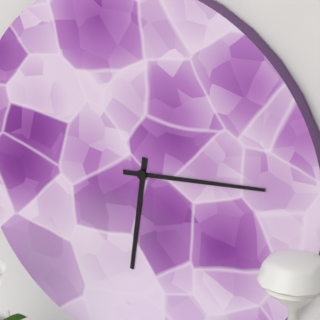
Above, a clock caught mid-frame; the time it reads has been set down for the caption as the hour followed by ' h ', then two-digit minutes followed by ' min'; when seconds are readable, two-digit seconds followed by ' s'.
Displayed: 6 h 14 min
